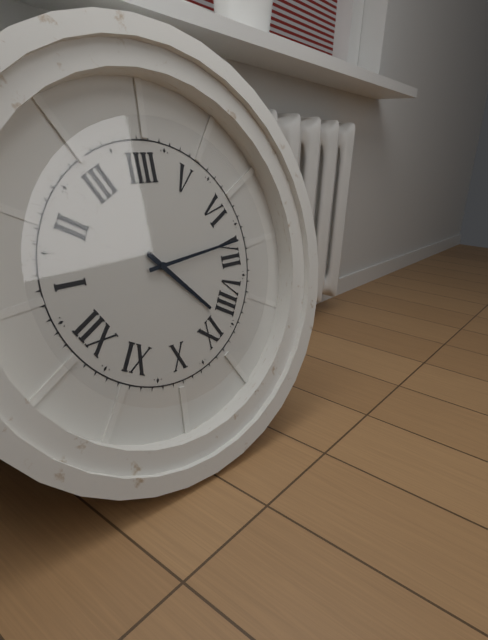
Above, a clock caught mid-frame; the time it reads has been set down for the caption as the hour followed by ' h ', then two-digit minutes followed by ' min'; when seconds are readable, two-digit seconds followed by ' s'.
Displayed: 8 h 34 min
